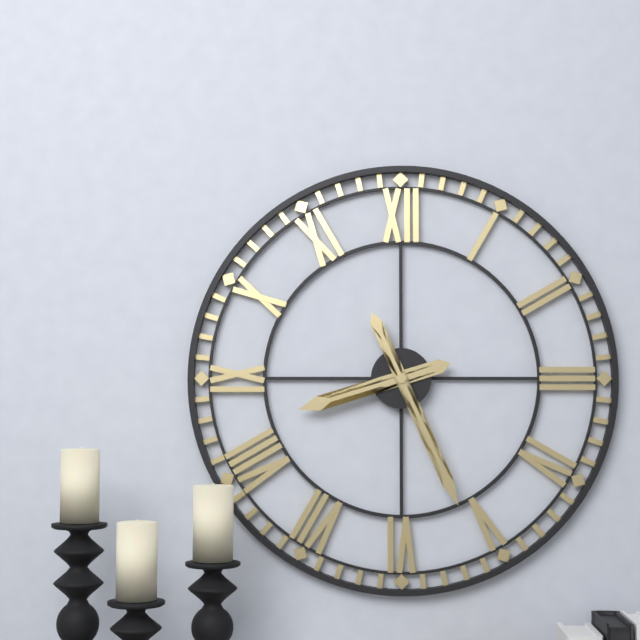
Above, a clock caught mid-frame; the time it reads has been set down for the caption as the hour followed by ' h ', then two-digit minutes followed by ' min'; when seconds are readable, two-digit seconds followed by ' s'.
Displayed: 8 h 26 min
